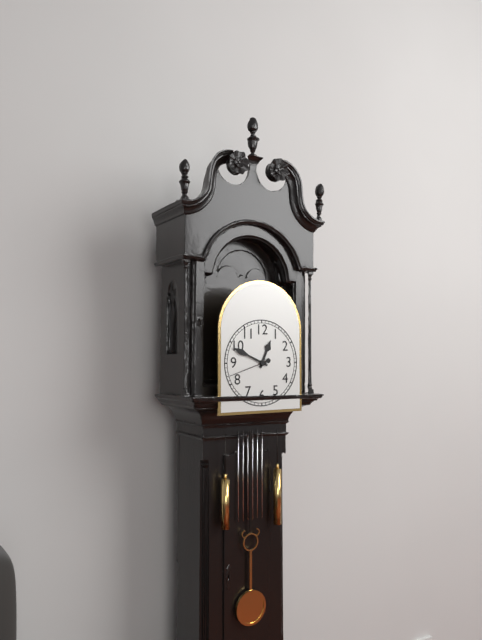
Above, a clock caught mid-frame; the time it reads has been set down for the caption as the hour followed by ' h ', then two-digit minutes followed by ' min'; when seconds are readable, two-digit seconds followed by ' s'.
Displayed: 12 h 49 min
